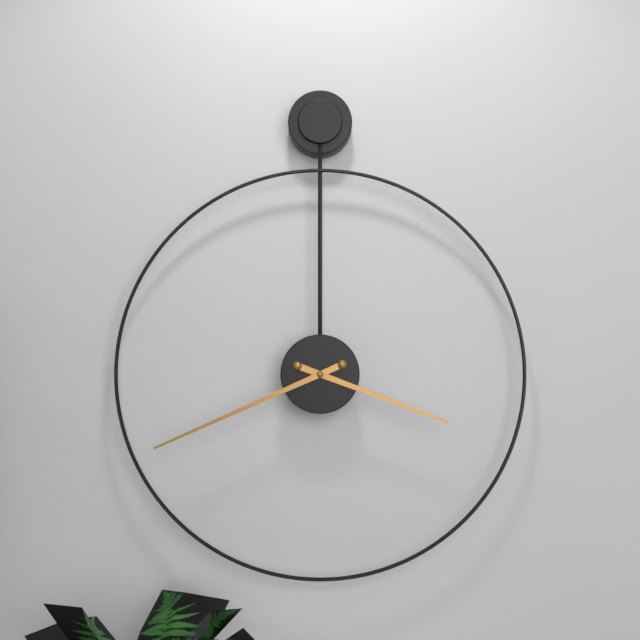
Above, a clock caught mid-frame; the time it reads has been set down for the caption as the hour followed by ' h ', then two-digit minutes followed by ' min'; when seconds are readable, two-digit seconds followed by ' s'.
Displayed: 3 h 41 min
